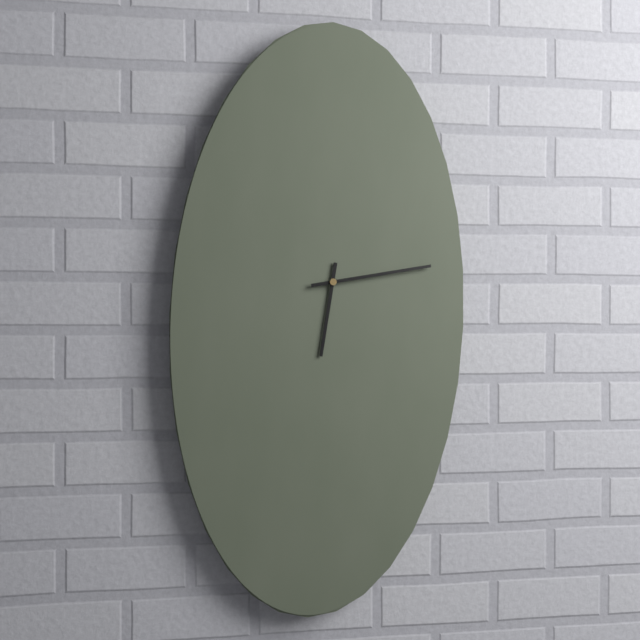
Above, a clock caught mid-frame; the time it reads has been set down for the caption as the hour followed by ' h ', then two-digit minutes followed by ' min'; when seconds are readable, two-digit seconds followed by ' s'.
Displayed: 6 h 13 min
